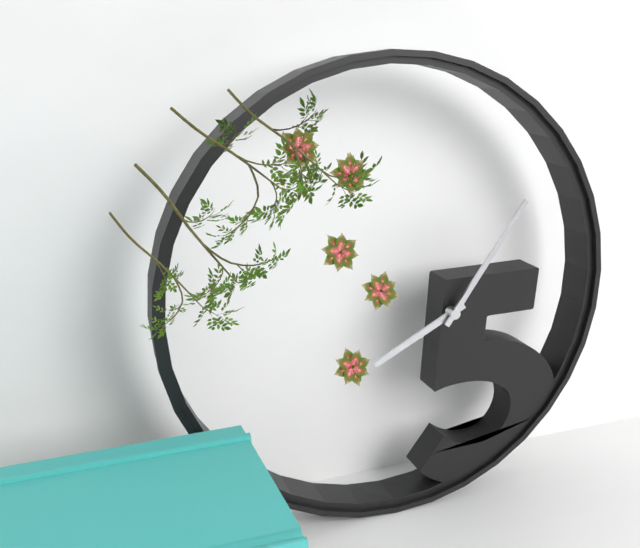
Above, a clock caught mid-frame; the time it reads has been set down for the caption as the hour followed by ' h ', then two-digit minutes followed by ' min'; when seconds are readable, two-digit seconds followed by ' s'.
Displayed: 8 h 06 min
